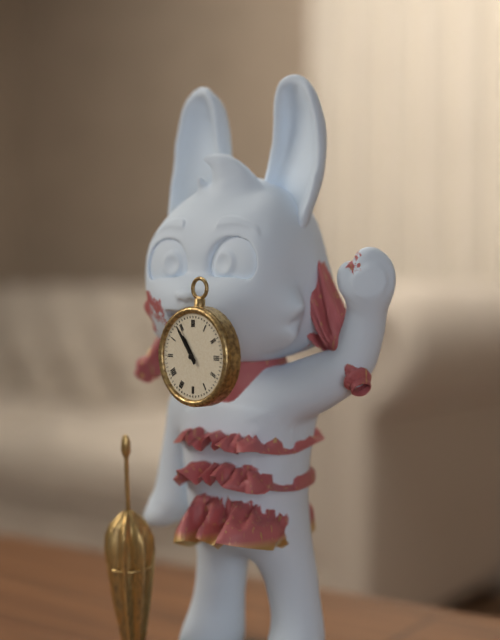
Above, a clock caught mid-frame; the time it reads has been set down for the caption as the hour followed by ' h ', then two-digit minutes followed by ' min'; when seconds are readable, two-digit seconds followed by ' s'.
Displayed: 10 h 54 min
